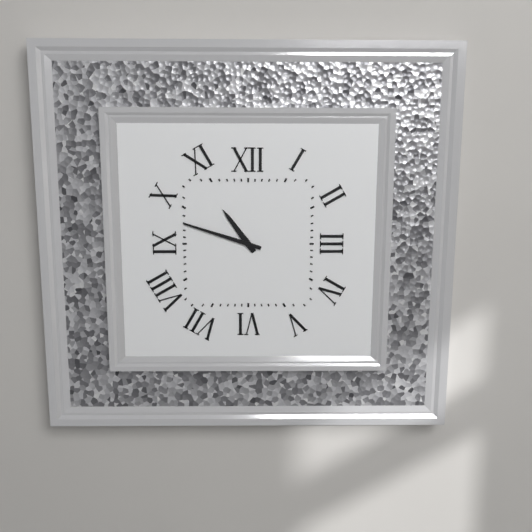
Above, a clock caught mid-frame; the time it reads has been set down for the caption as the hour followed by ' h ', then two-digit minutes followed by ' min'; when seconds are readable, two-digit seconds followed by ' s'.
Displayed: 10 h 48 min
